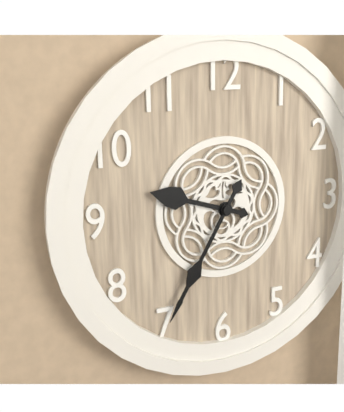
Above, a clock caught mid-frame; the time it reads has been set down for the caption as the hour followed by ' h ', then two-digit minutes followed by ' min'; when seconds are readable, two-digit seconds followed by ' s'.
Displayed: 9 h 35 min
